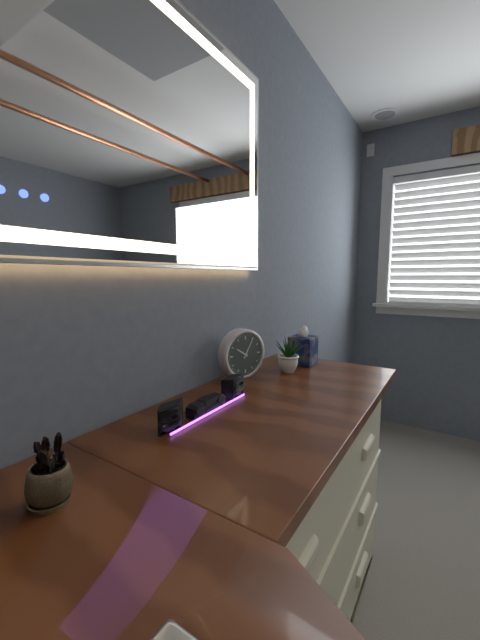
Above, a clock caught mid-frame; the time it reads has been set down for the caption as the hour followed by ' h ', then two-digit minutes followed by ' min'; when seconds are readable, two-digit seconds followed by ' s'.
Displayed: 10 h 05 min
